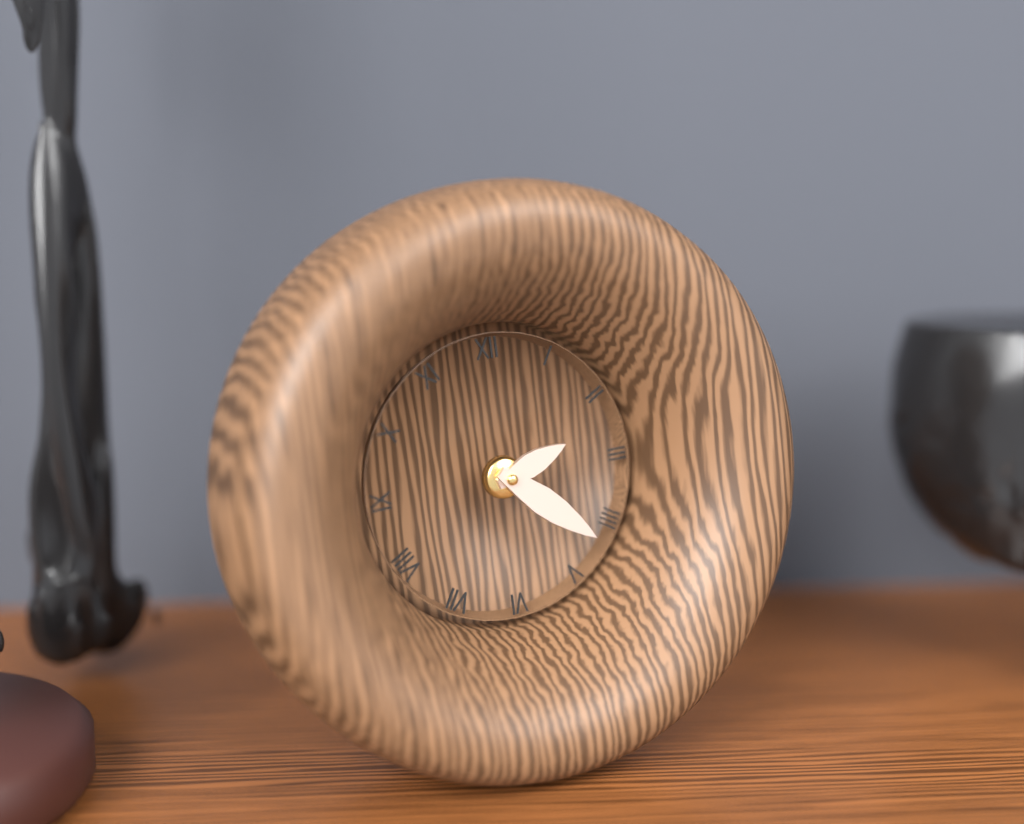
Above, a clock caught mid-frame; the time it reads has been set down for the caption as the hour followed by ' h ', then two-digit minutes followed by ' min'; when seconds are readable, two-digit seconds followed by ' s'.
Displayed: 2 h 22 min
